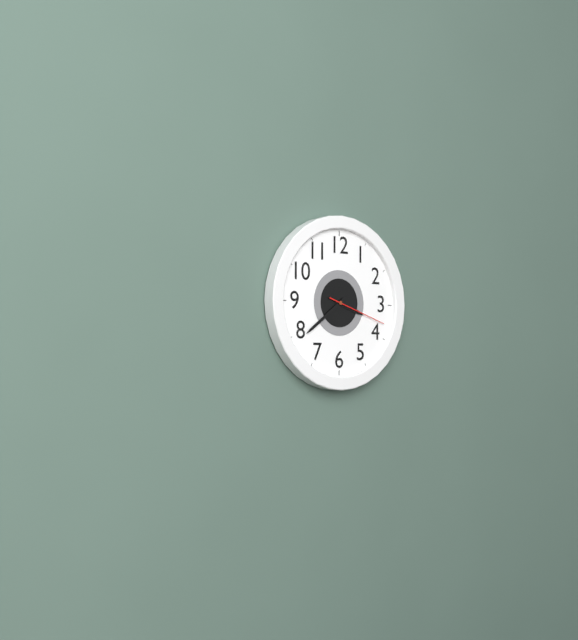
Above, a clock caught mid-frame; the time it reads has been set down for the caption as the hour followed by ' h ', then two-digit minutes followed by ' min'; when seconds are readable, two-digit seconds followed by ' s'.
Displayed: 3 h 39 min 18 s
